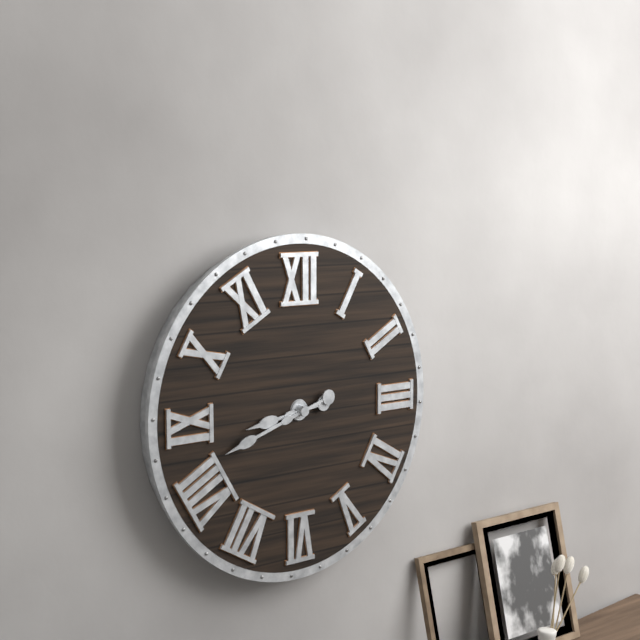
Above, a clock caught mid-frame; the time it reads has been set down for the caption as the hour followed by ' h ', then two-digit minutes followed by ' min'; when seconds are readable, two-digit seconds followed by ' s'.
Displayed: 8 h 42 min
